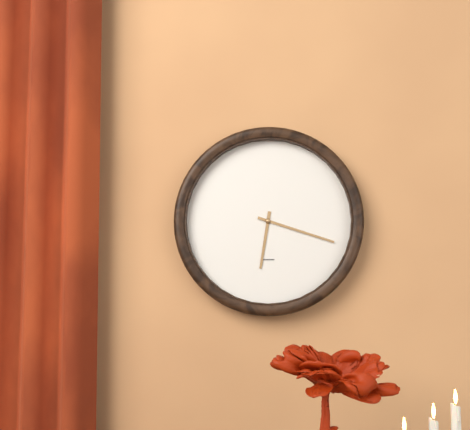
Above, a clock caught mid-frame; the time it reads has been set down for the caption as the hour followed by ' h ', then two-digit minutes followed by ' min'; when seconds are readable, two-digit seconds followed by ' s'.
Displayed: 6 h 18 min
